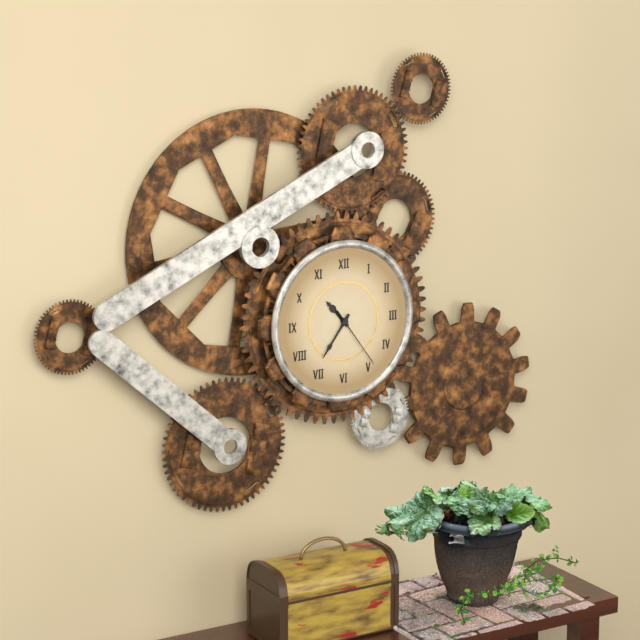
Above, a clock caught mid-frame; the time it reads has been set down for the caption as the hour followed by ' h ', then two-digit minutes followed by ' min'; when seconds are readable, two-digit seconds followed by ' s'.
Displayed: 10 h 36 min 24 s
